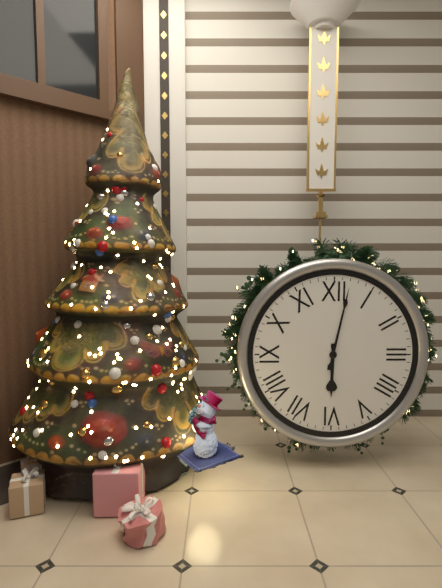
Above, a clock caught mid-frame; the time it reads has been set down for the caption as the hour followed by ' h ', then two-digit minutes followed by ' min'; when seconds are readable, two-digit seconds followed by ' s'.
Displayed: 6 h 02 min
